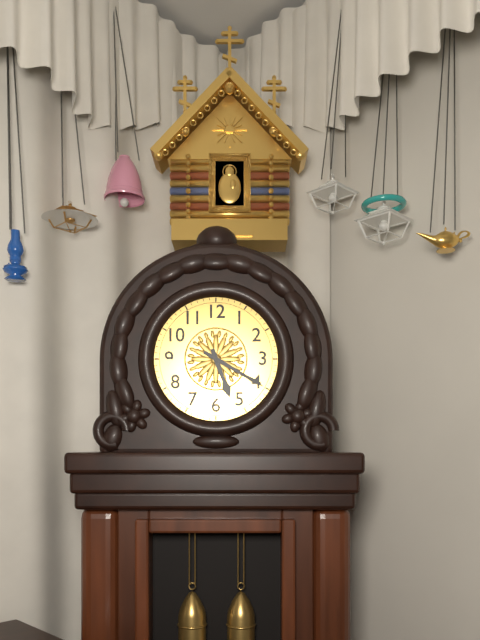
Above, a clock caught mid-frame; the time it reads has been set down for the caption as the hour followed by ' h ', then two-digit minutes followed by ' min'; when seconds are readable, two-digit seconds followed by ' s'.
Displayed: 5 h 20 min
